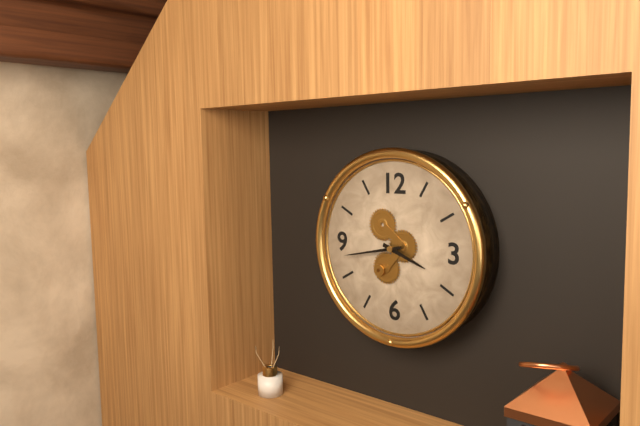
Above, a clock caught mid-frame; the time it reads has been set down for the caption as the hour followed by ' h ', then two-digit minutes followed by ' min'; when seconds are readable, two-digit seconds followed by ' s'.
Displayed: 3 h 43 min
